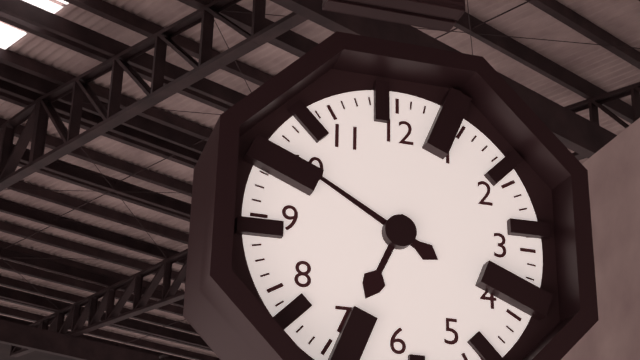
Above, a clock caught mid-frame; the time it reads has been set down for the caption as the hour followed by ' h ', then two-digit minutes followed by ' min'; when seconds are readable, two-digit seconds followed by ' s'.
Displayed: 6 h 50 min
